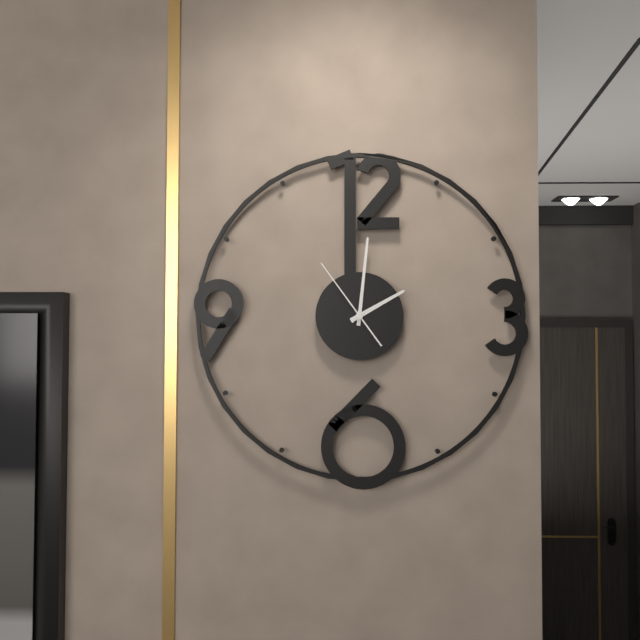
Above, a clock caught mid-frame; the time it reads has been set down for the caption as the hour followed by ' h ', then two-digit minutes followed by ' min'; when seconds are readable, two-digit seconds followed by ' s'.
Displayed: 2 h 01 min 54 s
